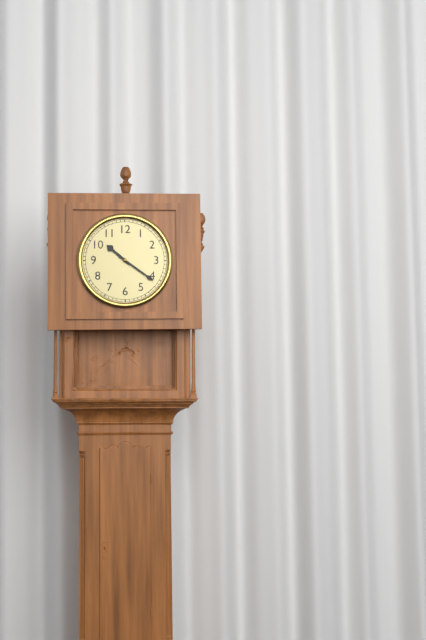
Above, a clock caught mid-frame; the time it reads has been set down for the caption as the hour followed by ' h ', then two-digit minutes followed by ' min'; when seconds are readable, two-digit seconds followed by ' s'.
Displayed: 10 h 21 min
